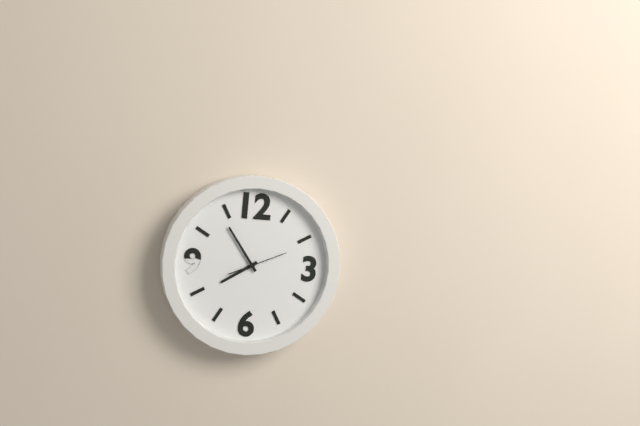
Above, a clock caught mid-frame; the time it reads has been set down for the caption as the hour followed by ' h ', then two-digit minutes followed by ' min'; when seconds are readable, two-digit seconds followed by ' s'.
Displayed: 7 h 54 min
